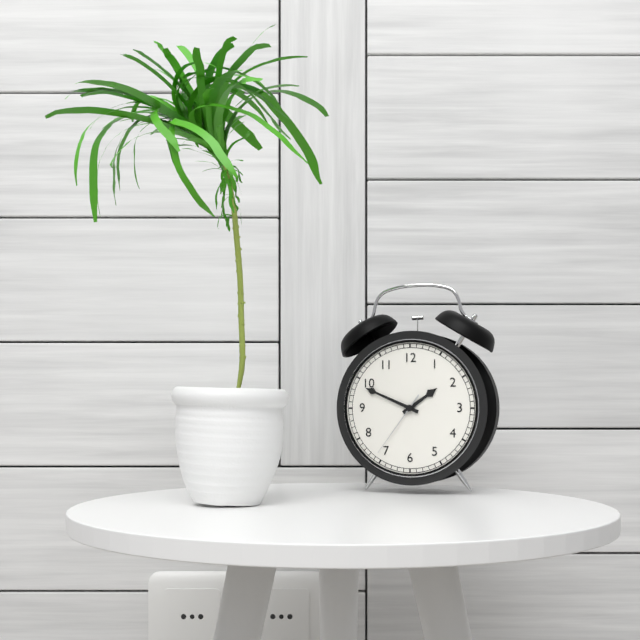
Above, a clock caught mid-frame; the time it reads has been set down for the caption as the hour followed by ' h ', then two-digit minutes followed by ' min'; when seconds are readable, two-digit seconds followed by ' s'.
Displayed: 1 h 49 min 36 s
